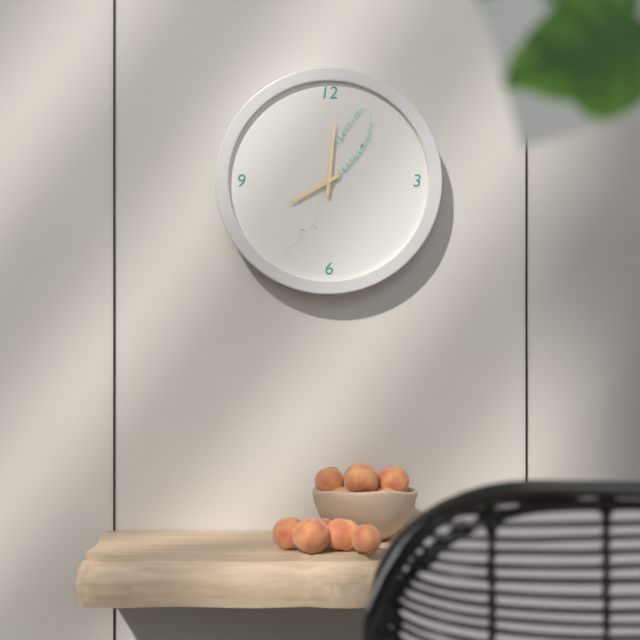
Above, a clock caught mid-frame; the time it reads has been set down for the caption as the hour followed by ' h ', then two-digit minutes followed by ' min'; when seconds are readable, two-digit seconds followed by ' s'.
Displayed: 8 h 01 min
